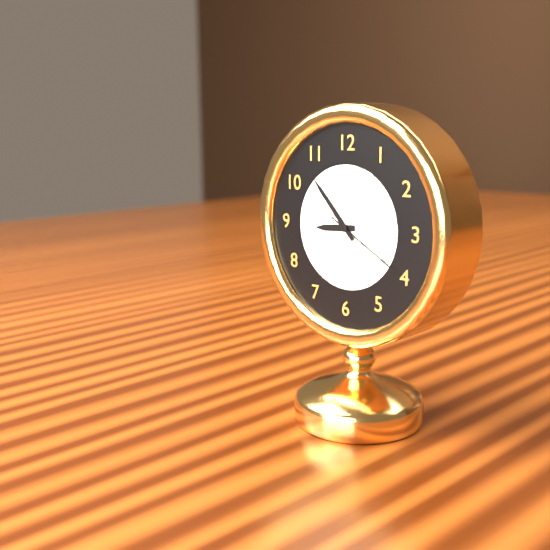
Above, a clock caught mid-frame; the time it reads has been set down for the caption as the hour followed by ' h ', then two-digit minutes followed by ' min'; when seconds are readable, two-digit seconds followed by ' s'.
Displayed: 8 h 53 min 20 s
